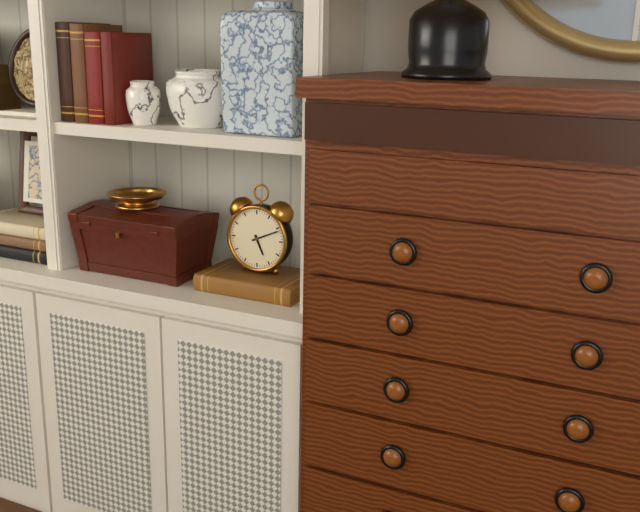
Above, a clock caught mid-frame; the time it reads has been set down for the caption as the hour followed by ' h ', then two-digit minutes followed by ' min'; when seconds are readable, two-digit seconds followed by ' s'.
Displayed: 5 h 11 min
